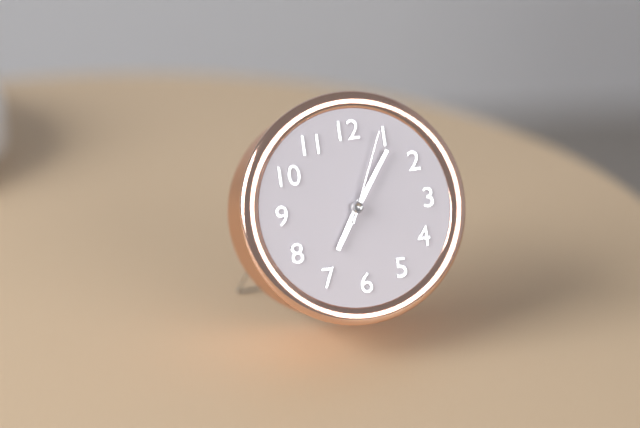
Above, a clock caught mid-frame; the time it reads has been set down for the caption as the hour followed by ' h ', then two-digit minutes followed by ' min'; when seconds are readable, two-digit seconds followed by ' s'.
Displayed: 7 h 06 min 04 s
